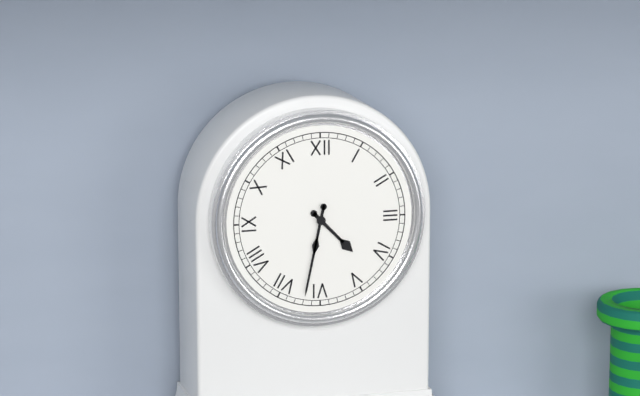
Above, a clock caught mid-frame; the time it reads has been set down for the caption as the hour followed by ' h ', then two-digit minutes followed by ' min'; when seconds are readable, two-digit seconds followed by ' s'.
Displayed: 4 h 32 min
